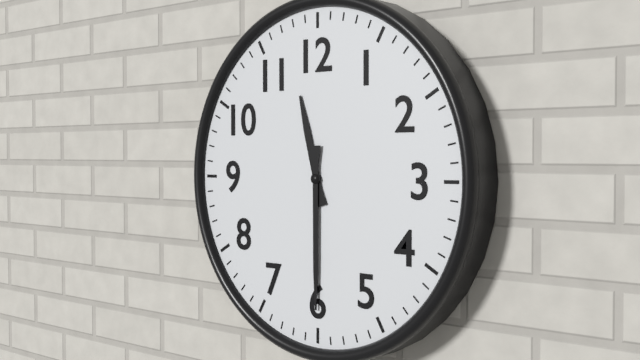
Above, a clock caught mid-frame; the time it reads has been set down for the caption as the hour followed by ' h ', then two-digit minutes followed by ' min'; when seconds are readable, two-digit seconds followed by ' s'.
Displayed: 11 h 30 min
